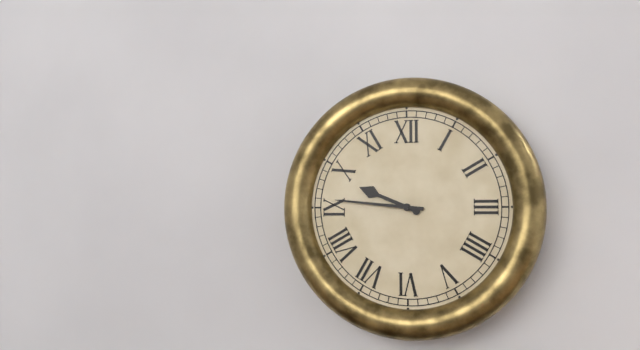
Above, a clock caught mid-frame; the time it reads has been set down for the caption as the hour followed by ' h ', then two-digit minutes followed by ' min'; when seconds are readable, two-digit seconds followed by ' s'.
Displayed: 9 h 46 min
